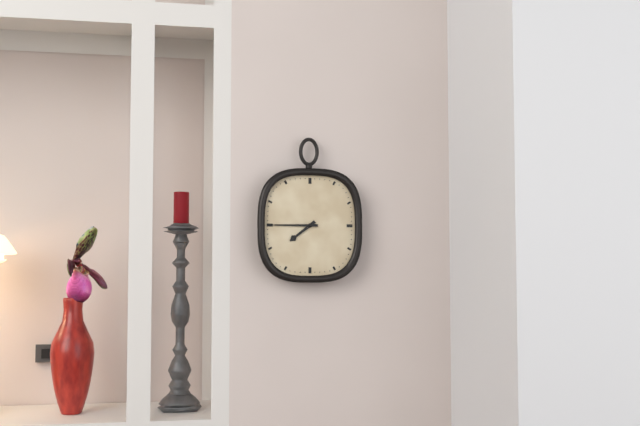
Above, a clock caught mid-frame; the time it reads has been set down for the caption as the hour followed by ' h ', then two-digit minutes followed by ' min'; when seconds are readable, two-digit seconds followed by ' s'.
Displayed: 7 h 45 min
